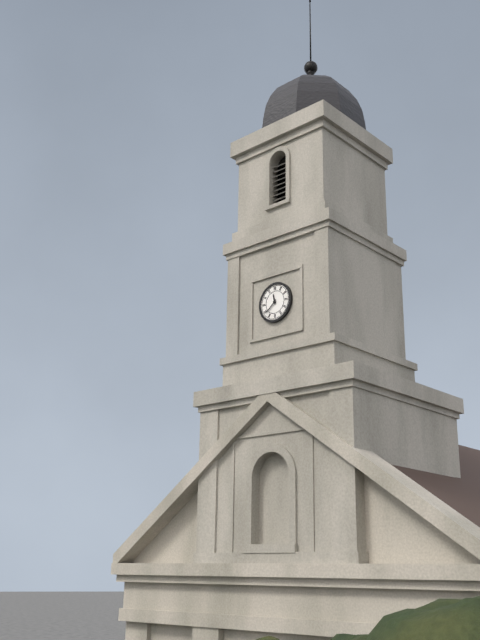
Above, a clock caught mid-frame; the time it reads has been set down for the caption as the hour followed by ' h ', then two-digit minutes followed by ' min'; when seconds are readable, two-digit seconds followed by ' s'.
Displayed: 11 h 38 min
